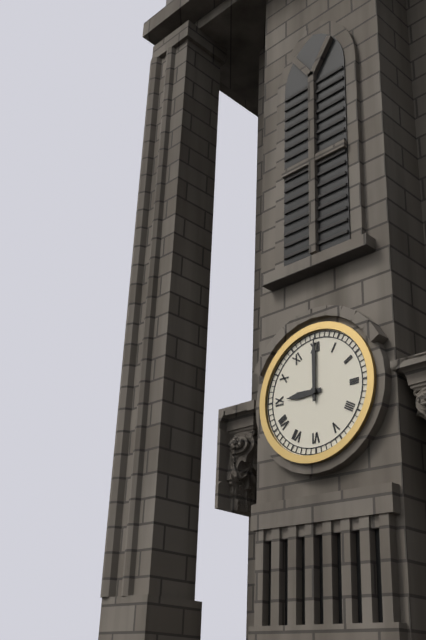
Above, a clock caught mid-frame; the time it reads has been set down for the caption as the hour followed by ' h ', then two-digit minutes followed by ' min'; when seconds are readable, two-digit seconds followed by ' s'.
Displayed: 9 h 00 min
